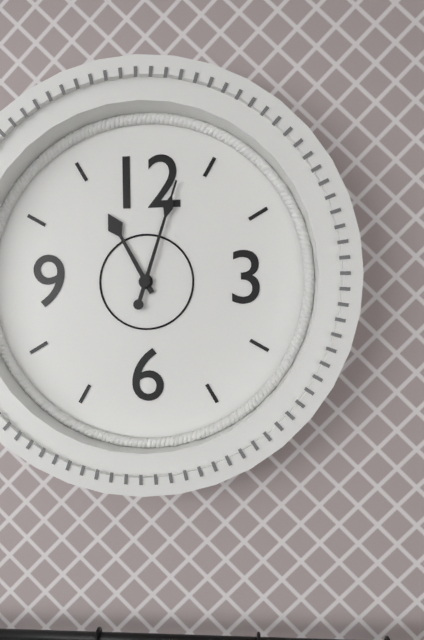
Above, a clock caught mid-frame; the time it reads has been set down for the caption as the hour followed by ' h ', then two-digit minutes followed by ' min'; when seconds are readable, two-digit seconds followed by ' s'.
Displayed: 11 h 03 min
